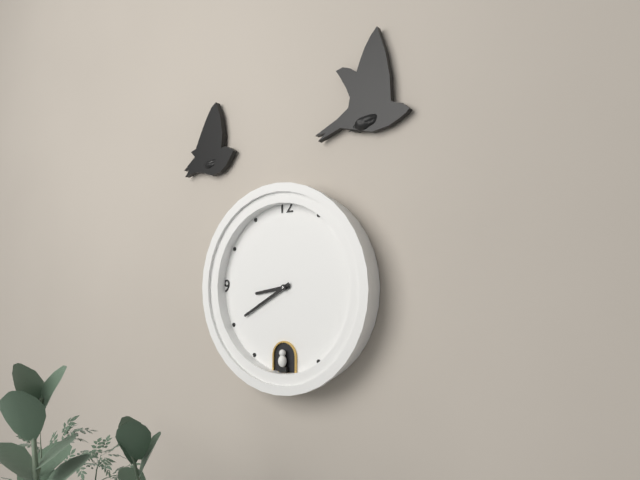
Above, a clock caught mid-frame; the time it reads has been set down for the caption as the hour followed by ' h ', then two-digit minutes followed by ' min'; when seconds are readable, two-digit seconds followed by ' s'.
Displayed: 8 h 40 min
